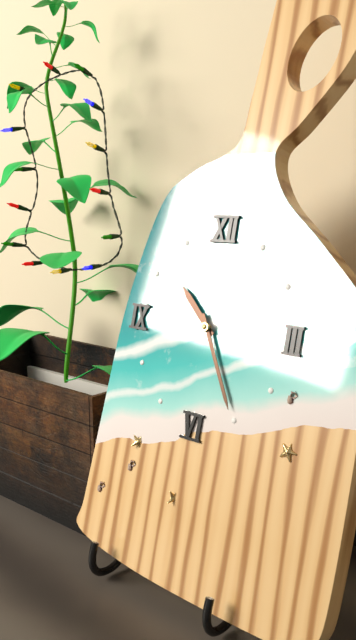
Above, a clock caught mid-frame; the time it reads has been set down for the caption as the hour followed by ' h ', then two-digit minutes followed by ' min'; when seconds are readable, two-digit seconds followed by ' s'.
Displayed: 10 h 25 min
